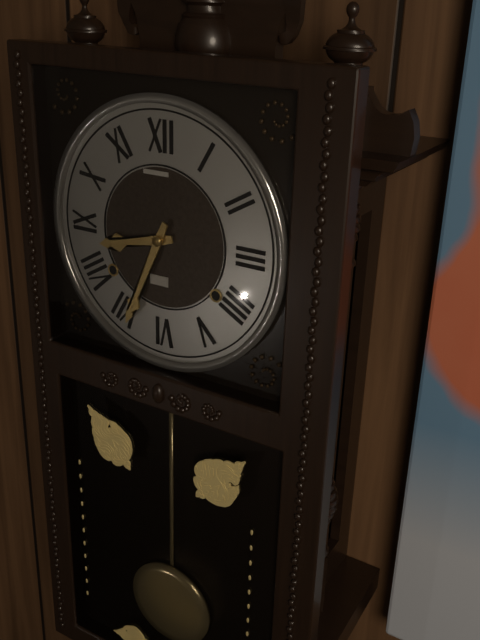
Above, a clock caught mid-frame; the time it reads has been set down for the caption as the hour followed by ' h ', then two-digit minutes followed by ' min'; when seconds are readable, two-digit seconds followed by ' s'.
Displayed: 8 h 34 min
